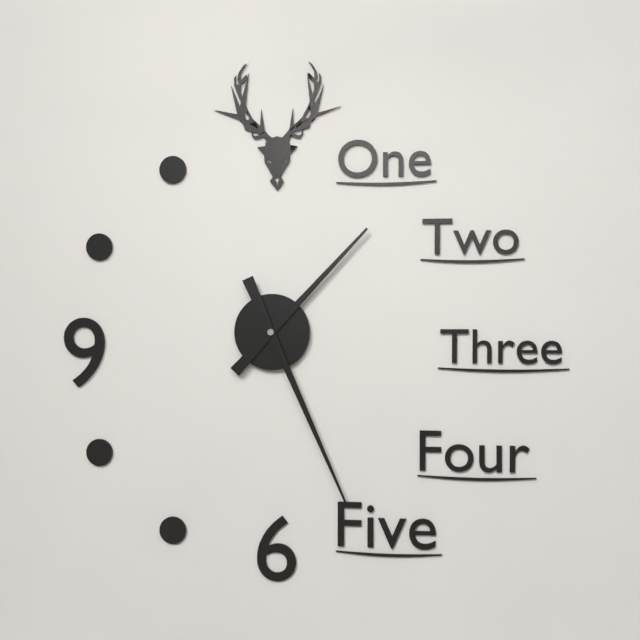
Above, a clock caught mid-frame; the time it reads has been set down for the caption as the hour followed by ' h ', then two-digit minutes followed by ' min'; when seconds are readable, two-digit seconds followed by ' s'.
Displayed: 1 h 26 min
